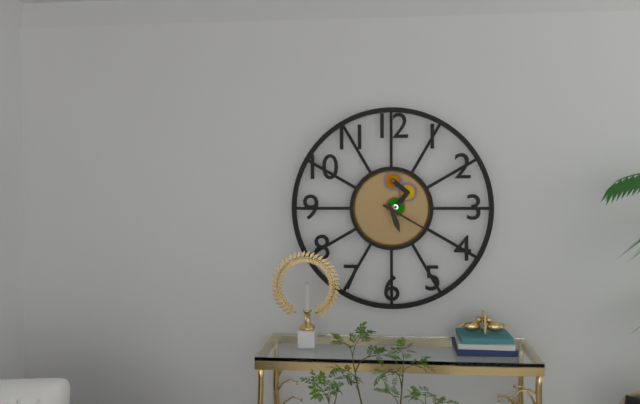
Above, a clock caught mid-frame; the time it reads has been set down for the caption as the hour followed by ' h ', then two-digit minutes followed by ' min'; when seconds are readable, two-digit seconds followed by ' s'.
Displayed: 5 h 20 min
